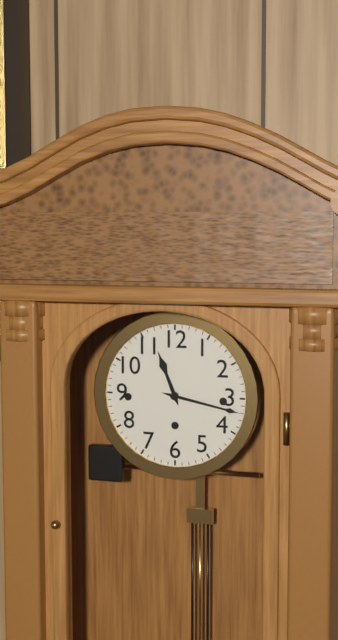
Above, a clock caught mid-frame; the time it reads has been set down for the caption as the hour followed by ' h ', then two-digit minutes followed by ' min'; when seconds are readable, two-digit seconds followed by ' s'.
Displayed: 11 h 17 min
